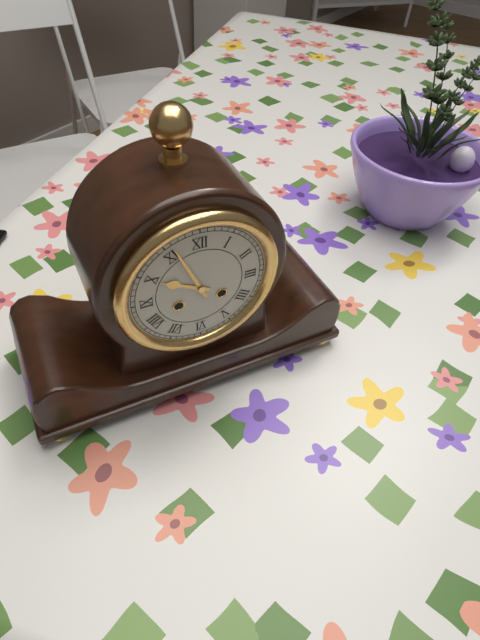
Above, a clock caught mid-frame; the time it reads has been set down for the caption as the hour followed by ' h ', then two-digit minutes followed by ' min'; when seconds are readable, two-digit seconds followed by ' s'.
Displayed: 9 h 56 min
